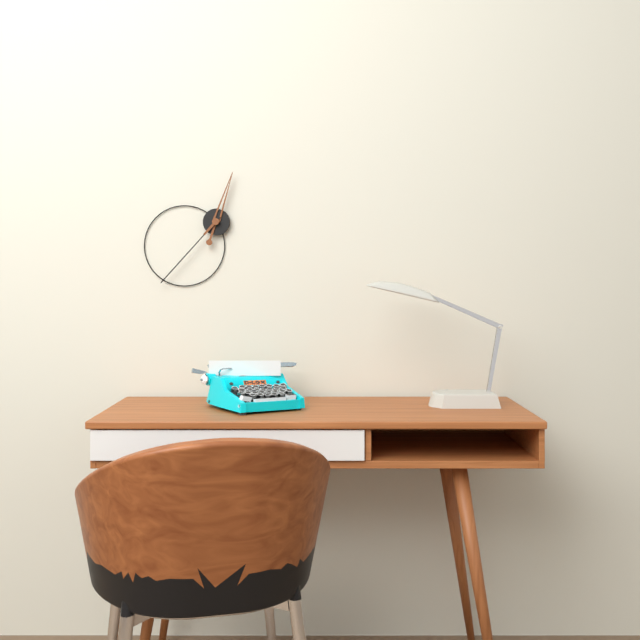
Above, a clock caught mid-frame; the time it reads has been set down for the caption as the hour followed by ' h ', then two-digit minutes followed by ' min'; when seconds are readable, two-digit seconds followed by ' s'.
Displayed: 12 h 37 min
